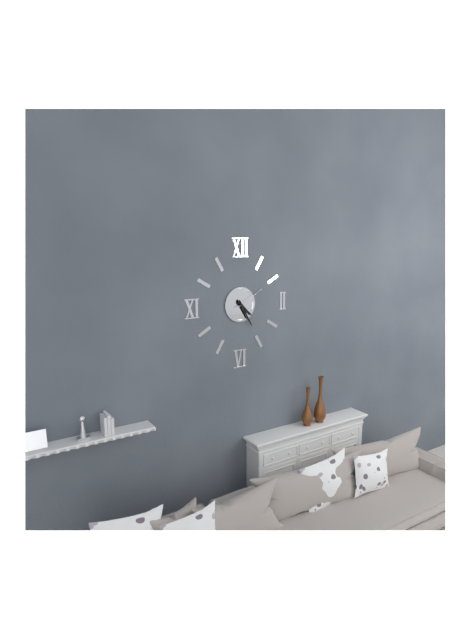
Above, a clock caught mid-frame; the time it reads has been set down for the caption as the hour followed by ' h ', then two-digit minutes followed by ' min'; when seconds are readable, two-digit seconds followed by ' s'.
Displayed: 4 h 25 min
